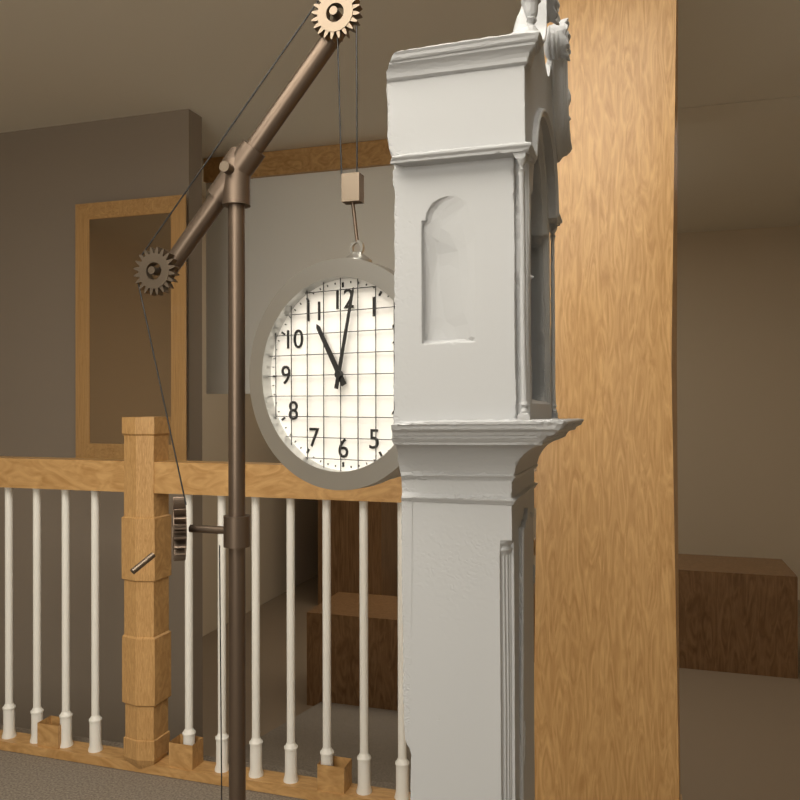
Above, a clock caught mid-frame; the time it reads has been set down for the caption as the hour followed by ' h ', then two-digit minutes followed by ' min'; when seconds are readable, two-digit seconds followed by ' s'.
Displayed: 11 h 02 min
